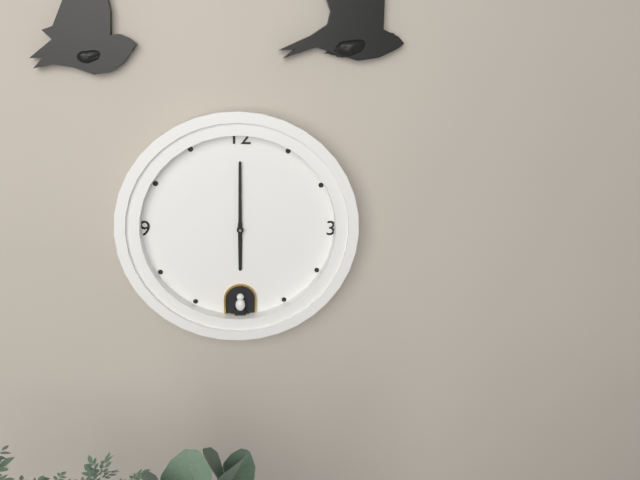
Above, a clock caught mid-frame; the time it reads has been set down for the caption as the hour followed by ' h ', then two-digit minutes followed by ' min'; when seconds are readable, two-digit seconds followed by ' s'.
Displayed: 6 h 00 min
